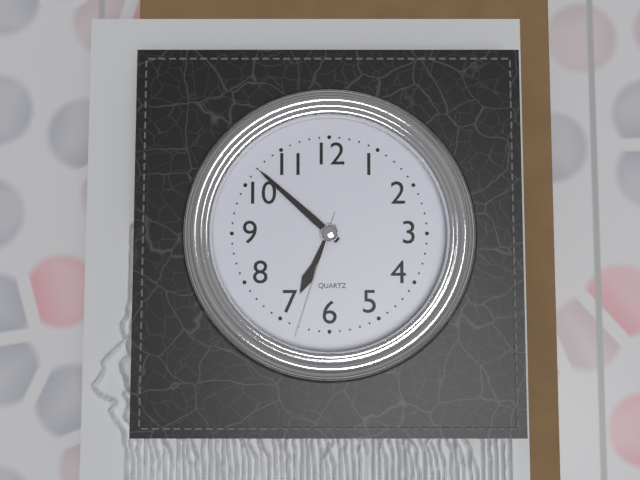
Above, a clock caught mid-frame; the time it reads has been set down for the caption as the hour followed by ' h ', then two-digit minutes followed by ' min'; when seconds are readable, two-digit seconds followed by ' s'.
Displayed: 6 h 52 min 33 s
